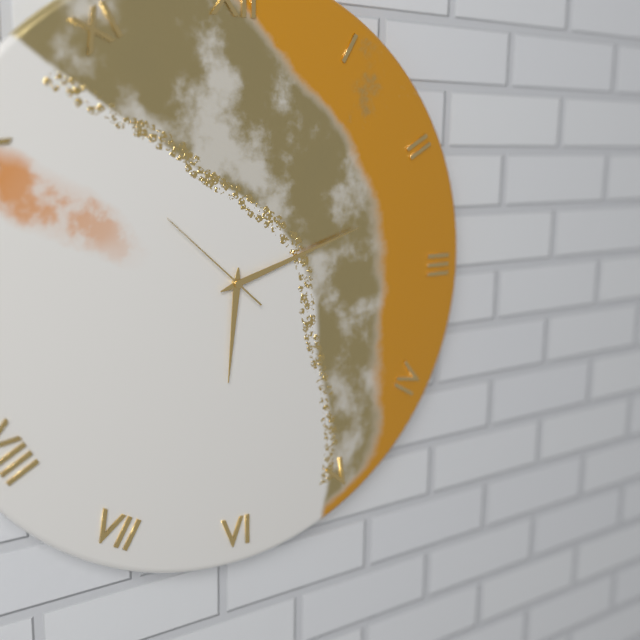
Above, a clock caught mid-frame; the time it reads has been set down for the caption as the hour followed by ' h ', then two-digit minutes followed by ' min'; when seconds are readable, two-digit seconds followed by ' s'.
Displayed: 6 h 12 min 52 s
